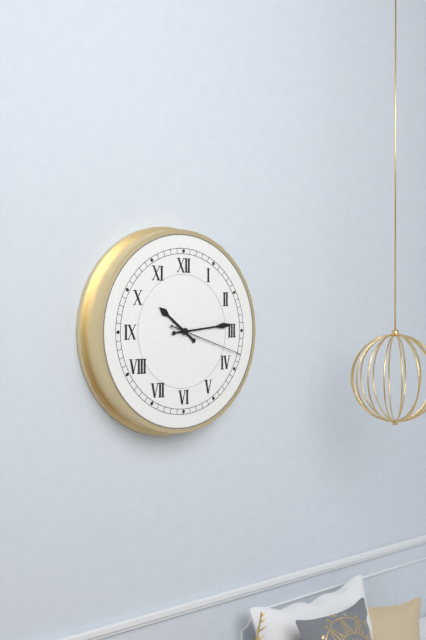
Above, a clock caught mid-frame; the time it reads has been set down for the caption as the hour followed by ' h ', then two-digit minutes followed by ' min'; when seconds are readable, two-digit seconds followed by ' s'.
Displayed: 10 h 14 min 18 s
